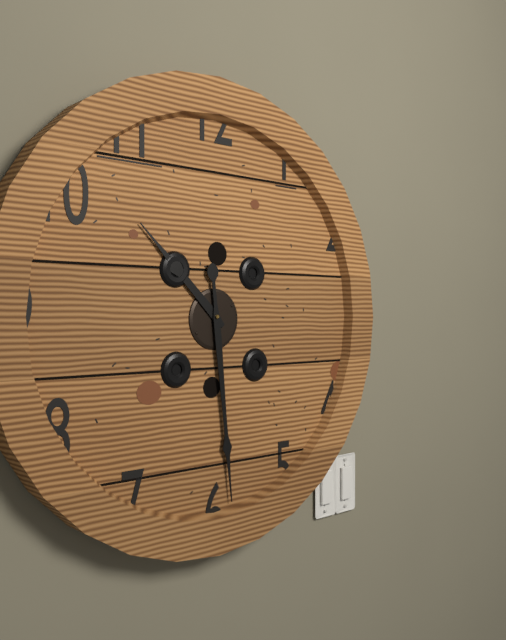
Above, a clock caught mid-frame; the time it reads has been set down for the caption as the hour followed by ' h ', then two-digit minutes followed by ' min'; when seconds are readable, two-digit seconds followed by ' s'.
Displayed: 10 h 29 min
